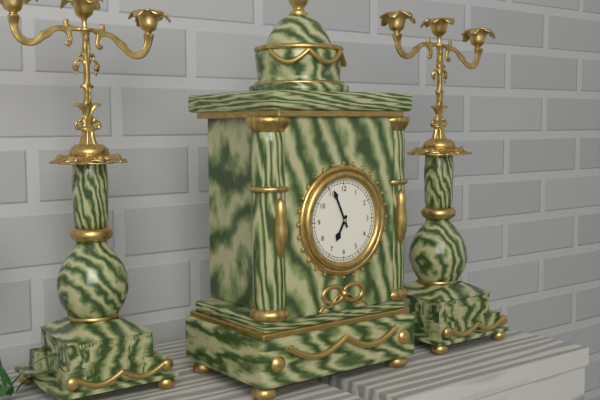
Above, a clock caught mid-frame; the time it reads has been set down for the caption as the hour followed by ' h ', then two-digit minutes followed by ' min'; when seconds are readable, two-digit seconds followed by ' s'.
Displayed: 6 h 56 min
